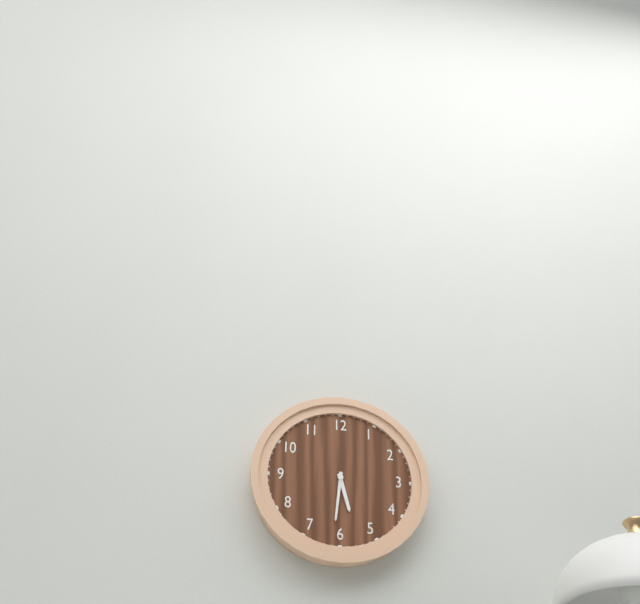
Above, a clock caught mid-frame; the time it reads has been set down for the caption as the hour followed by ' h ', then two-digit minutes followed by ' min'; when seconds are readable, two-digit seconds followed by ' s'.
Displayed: 5 h 31 min
